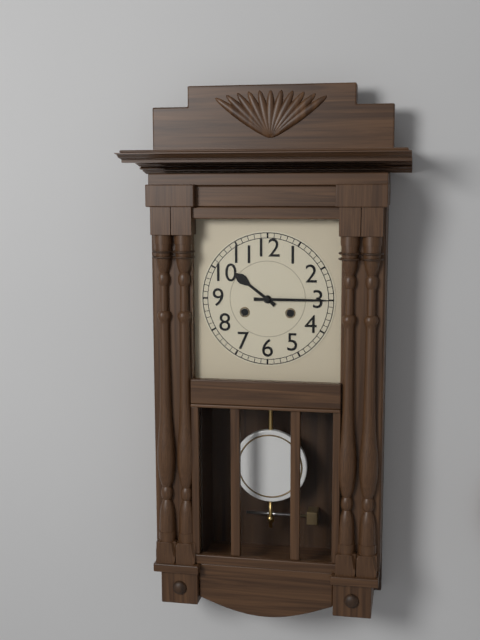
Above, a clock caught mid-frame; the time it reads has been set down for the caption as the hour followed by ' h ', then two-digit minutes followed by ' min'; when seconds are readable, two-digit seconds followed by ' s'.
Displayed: 10 h 15 min
